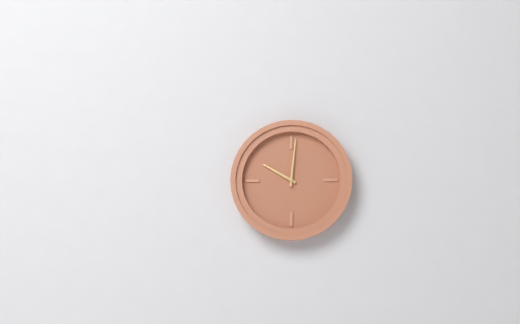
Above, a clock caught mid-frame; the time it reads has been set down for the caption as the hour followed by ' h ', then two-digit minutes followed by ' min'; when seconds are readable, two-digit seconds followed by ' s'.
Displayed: 10 h 01 min
